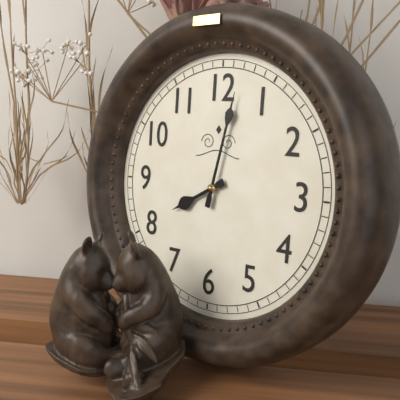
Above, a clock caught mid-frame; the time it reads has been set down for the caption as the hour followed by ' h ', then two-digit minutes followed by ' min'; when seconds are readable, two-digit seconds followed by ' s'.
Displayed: 8 h 02 min
